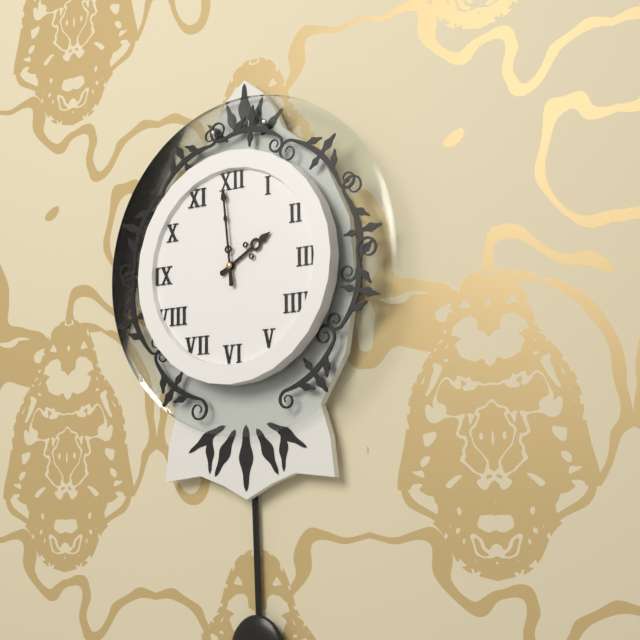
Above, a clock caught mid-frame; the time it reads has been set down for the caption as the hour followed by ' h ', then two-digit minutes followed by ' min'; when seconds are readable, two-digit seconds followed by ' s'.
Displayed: 1 h 59 min
